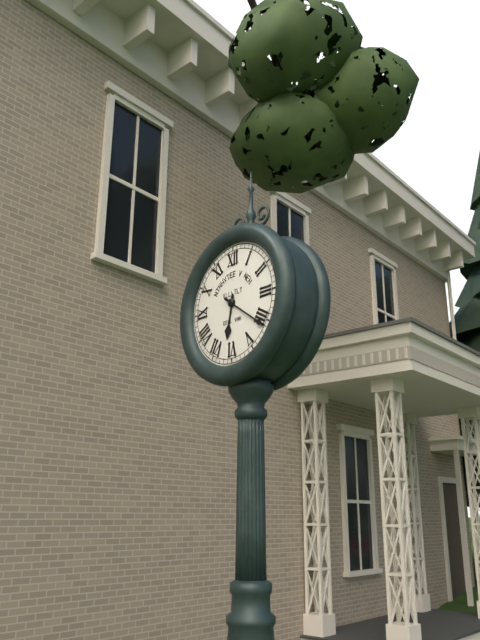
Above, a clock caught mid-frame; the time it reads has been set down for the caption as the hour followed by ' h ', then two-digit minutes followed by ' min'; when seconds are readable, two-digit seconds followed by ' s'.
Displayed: 6 h 21 min
